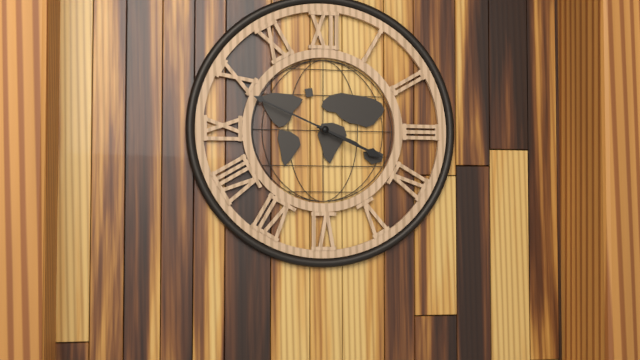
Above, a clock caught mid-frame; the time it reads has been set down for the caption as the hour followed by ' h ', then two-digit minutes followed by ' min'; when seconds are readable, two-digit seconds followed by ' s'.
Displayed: 3 h 49 min
